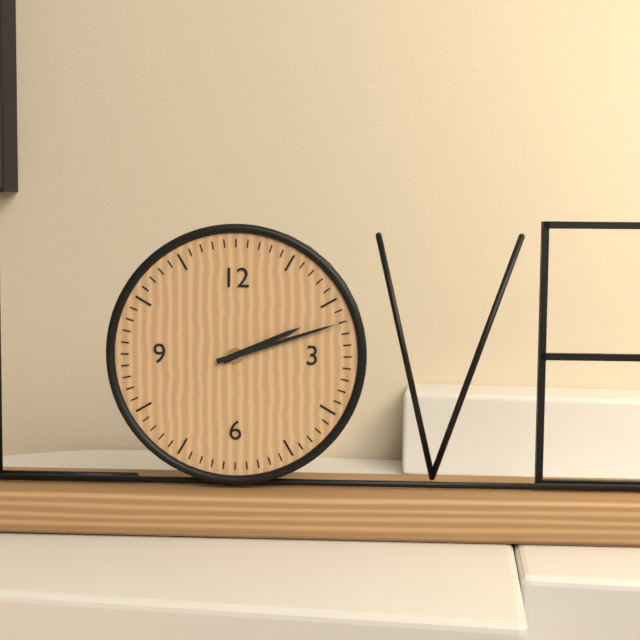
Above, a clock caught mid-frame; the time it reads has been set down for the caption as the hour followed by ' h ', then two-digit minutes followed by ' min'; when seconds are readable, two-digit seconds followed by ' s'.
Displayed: 2 h 12 min
